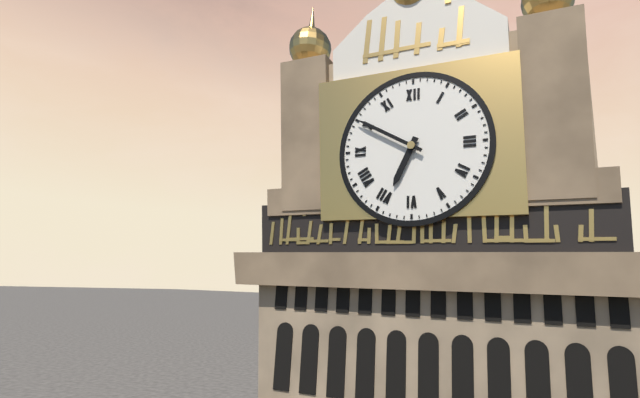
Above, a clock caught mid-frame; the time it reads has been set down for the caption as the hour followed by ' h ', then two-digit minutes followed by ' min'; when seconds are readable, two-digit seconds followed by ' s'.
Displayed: 6 h 50 min
